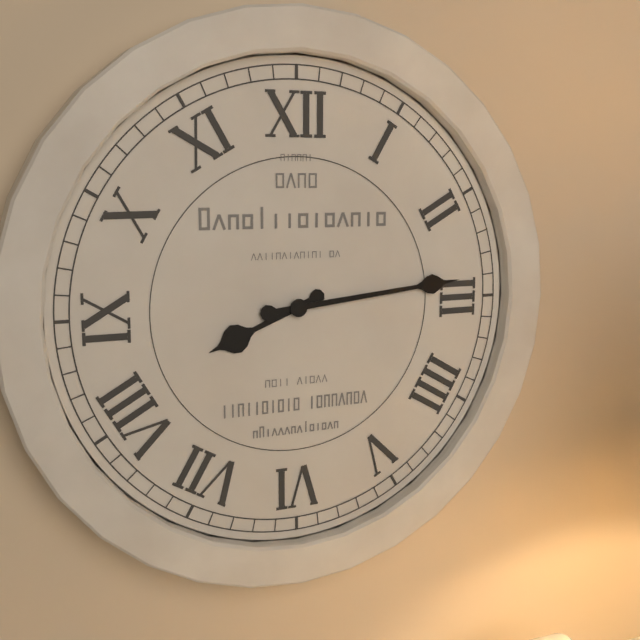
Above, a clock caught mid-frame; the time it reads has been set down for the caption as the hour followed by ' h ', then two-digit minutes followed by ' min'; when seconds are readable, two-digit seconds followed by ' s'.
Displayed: 8 h 14 min
